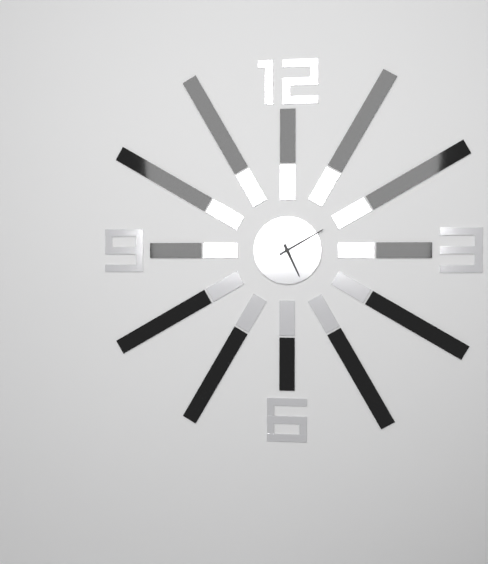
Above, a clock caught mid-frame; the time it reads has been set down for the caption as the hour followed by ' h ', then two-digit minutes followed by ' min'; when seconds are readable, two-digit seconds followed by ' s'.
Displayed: 5 h 10 min
